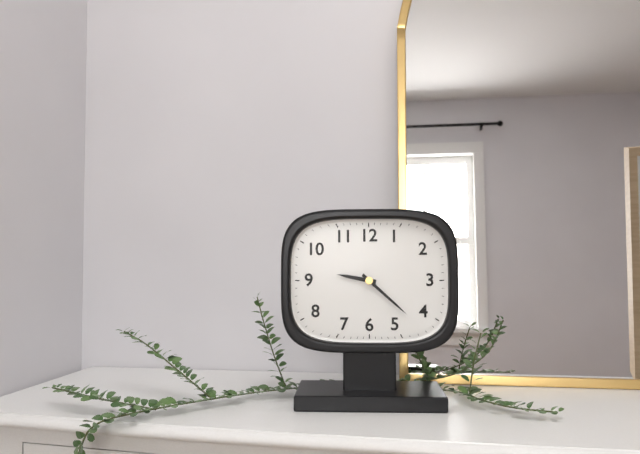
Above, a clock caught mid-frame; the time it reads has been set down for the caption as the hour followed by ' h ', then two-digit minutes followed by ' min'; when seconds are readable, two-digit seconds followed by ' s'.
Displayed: 9 h 22 min
